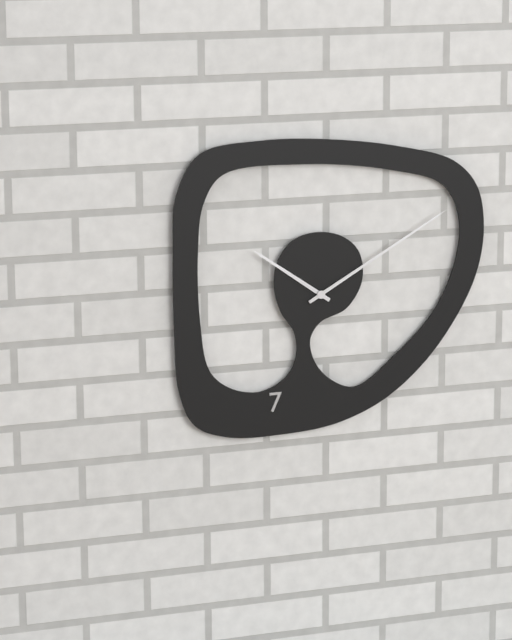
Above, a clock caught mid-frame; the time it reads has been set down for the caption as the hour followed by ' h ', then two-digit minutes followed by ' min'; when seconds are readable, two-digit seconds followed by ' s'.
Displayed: 10 h 10 min
